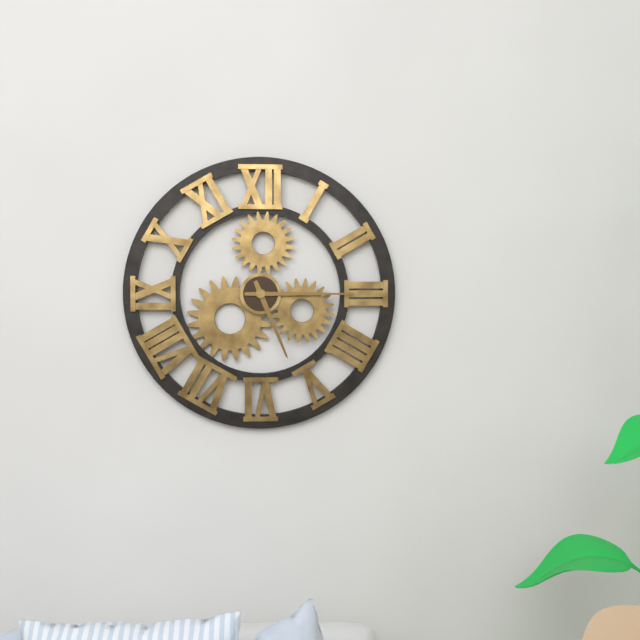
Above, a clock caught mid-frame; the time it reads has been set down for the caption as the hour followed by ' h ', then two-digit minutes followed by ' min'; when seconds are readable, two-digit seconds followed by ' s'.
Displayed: 5 h 15 min
